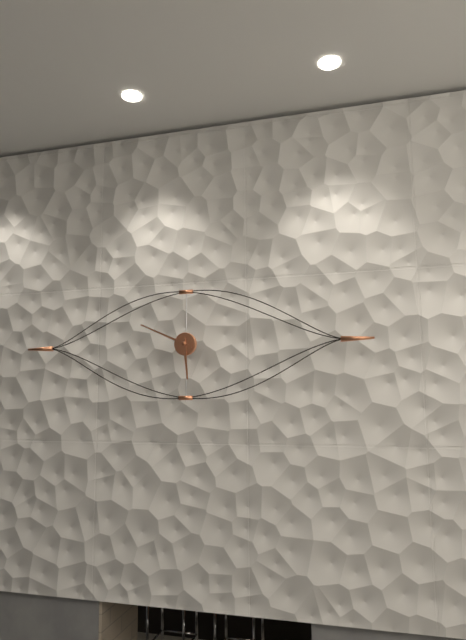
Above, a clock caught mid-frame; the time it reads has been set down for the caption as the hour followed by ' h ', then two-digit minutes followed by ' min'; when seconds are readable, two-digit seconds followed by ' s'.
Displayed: 5 h 49 min
